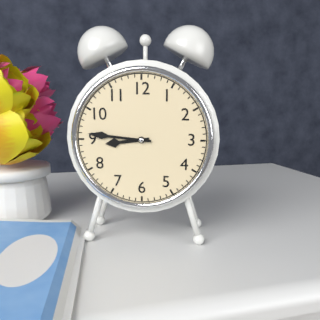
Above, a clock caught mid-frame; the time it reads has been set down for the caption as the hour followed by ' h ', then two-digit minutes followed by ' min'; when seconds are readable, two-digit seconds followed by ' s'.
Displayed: 8 h 46 min
